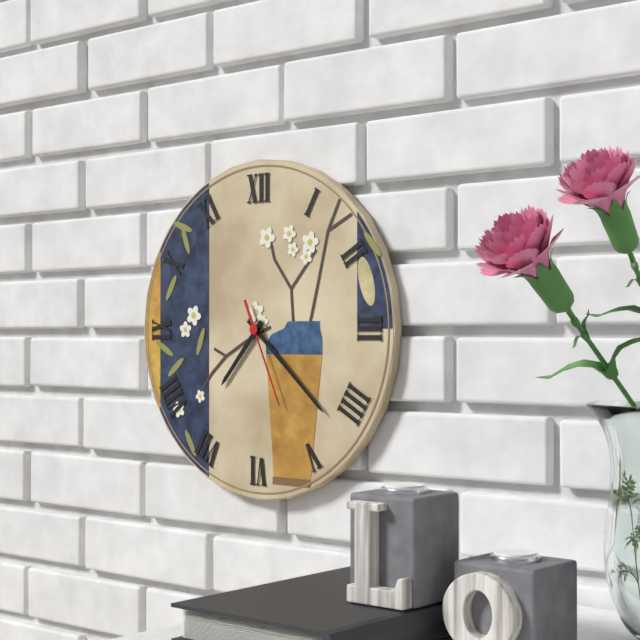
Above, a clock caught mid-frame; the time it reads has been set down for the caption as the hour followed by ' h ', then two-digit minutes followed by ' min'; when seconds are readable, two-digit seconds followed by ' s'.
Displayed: 7 h 22 min 26 s
